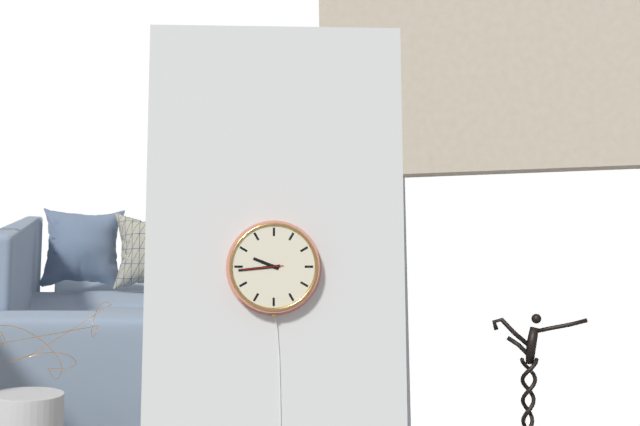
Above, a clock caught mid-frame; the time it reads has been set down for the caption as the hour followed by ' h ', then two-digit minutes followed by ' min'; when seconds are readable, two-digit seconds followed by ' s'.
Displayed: 9 h 44 min
